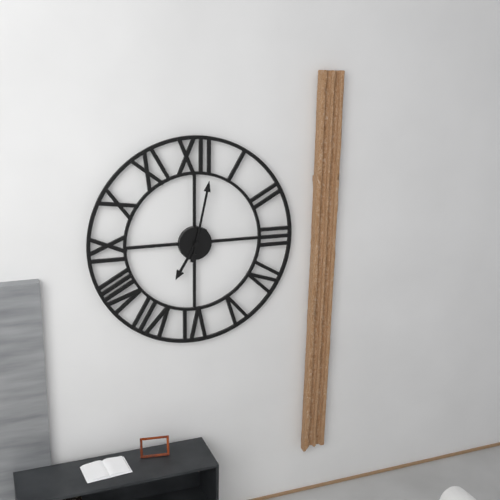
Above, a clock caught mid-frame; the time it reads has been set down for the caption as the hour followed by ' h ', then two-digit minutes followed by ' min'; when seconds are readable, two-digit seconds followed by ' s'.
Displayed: 7 h 02 min
